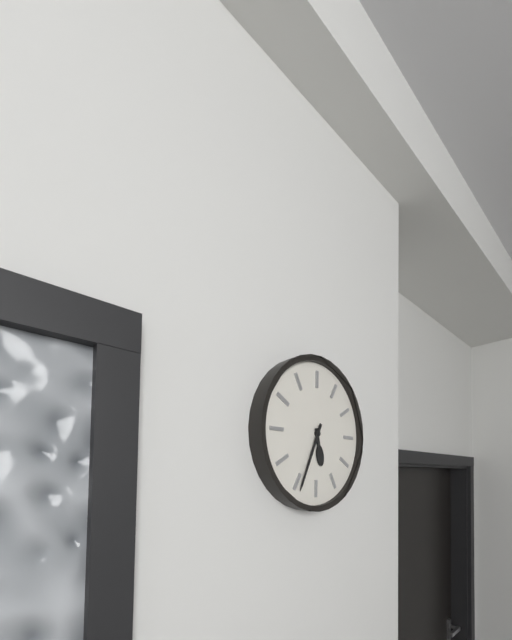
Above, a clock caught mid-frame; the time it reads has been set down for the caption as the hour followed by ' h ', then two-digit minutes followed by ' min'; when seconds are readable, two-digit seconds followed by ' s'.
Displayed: 5 h 34 min
